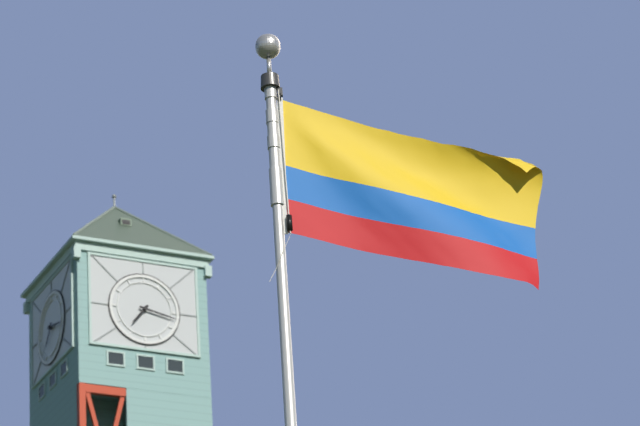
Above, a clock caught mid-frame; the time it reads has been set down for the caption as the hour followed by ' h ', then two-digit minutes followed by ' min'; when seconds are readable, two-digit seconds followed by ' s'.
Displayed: 7 h 17 min
